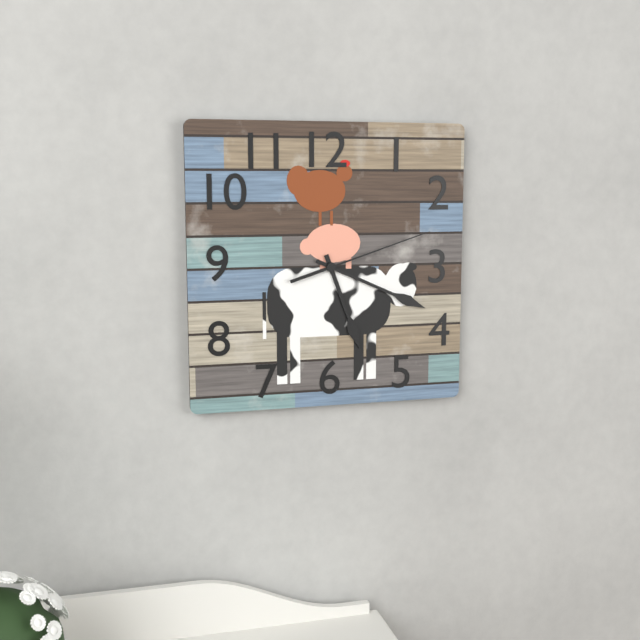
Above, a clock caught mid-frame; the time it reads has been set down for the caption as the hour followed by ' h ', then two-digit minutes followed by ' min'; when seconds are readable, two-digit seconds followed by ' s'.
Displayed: 5 h 19 min 12 s
